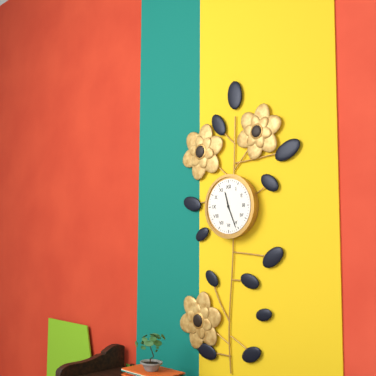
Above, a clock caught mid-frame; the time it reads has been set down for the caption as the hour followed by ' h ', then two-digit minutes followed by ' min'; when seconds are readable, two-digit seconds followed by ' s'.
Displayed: 11 h 26 min
